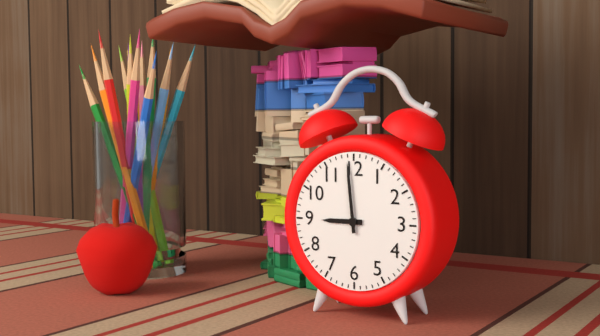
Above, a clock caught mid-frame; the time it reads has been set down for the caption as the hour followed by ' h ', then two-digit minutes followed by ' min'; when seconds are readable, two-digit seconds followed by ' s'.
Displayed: 8 h 59 min
